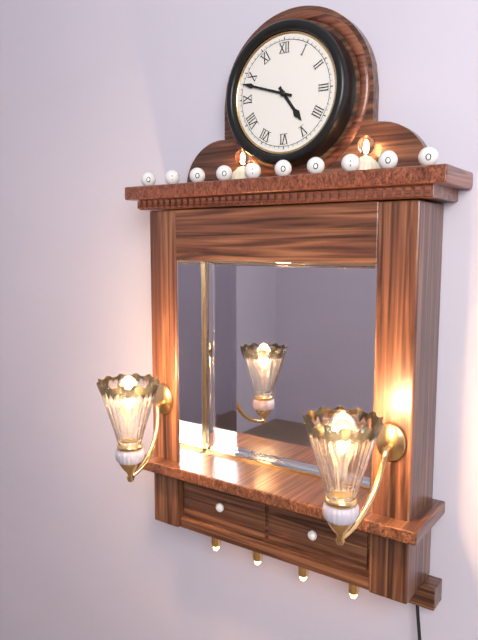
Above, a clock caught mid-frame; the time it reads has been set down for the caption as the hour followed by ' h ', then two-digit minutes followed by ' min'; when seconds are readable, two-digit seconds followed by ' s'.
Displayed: 4 h 48 min
